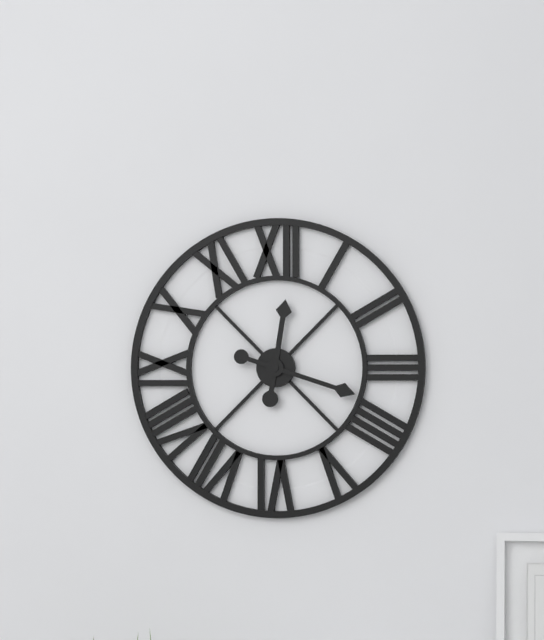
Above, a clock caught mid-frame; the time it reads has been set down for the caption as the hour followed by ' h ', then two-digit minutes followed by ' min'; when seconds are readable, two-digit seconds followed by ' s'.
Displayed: 12 h 18 min
